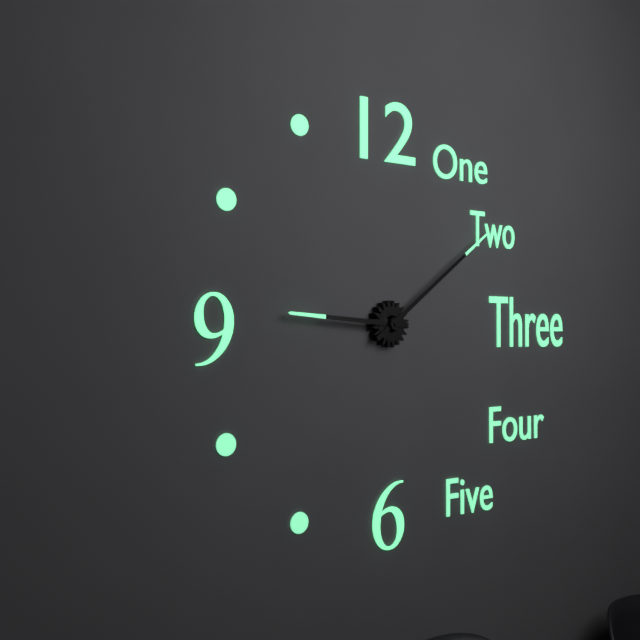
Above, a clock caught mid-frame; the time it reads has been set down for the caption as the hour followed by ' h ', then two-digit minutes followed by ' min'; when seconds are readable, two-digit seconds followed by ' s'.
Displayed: 9 h 09 min
